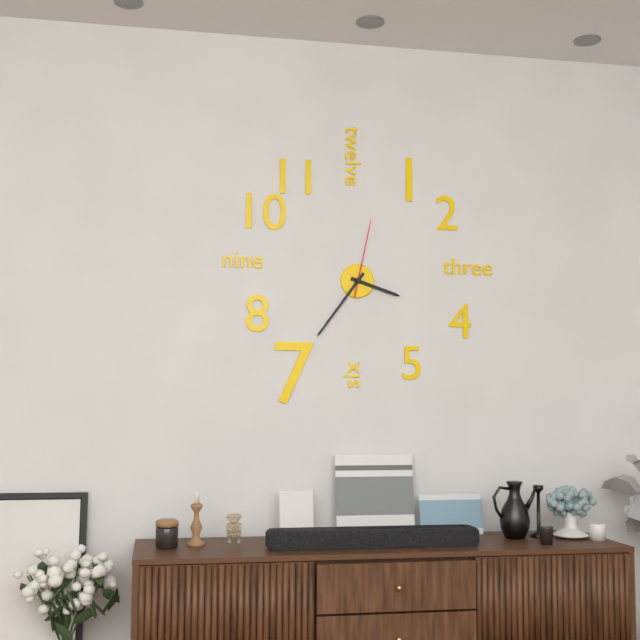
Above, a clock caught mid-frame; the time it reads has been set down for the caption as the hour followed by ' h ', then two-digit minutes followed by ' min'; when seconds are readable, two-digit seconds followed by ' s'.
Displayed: 3 h 36 min 02 s
